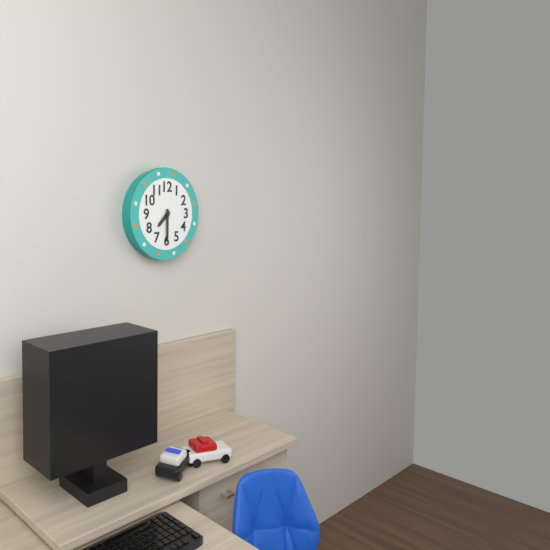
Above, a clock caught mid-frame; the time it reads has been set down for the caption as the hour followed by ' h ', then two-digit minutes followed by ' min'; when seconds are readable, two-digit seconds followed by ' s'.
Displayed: 7 h 30 min
